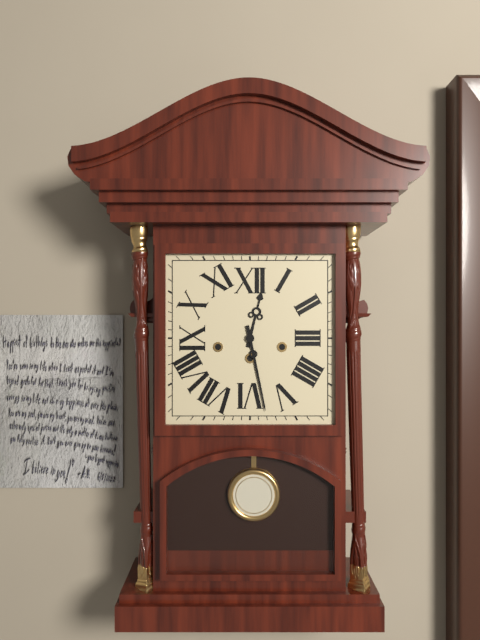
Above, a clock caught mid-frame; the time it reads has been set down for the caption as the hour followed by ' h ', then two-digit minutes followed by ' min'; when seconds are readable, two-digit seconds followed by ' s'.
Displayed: 12 h 28 min
